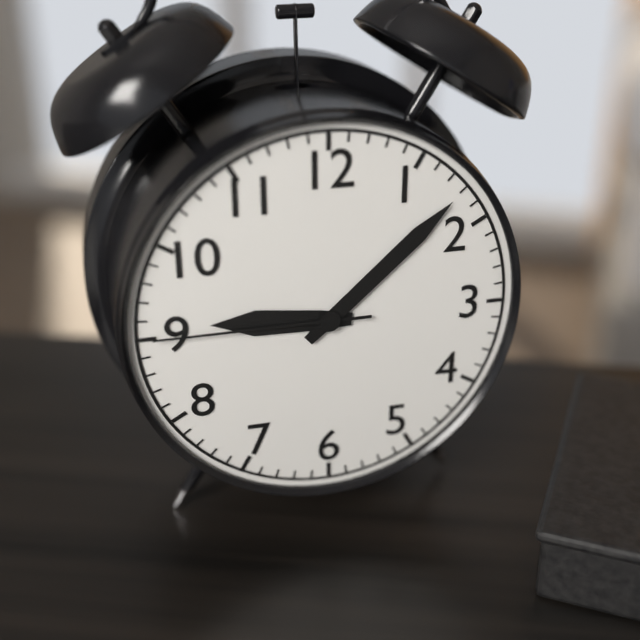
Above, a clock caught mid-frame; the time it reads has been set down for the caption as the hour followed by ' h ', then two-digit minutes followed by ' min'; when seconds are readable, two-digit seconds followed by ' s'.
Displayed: 9 h 08 min 45 s
